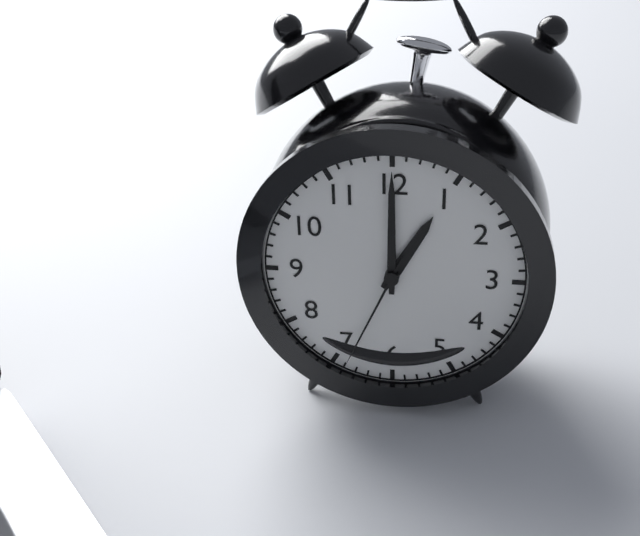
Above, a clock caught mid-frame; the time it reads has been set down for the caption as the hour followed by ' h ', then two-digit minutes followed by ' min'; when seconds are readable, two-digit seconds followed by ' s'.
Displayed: 1 h 00 min 34 s
